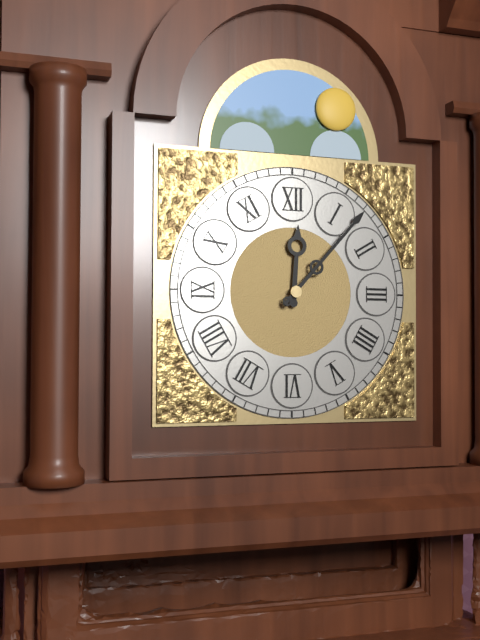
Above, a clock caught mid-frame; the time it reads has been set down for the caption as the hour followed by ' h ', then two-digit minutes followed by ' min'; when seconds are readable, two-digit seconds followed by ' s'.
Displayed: 12 h 07 min
